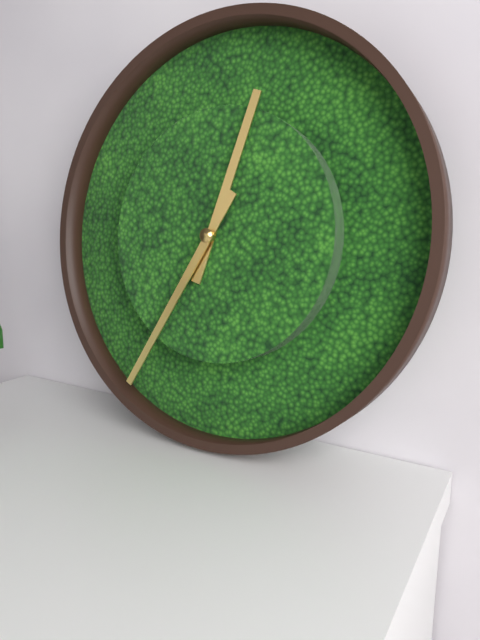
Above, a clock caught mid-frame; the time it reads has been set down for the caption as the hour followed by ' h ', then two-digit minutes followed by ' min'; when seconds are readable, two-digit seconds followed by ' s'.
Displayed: 12 h 35 min
